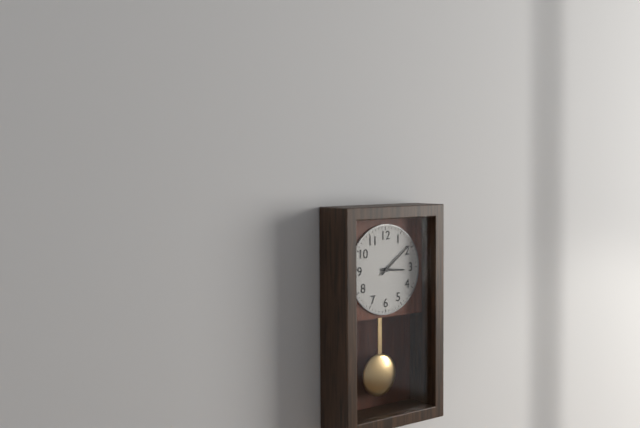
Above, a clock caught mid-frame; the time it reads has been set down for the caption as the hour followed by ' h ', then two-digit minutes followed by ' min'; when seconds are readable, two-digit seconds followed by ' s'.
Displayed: 3 h 09 min
